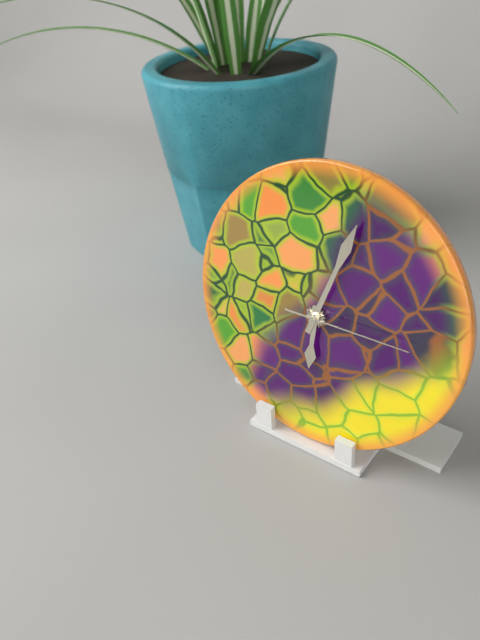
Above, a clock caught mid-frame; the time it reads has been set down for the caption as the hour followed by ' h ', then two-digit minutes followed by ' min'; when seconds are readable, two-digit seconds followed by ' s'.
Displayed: 6 h 03 min 15 s
